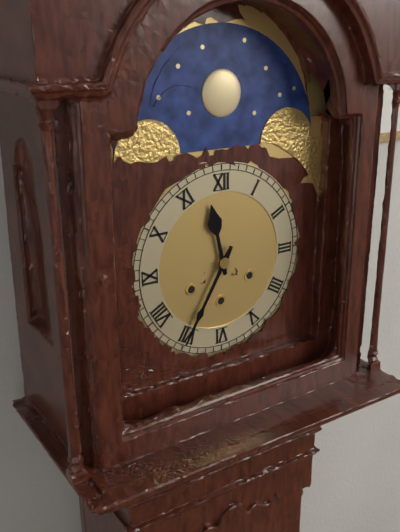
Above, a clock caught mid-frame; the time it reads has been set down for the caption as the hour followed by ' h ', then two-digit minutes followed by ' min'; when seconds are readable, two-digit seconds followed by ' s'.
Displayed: 11 h 35 min
